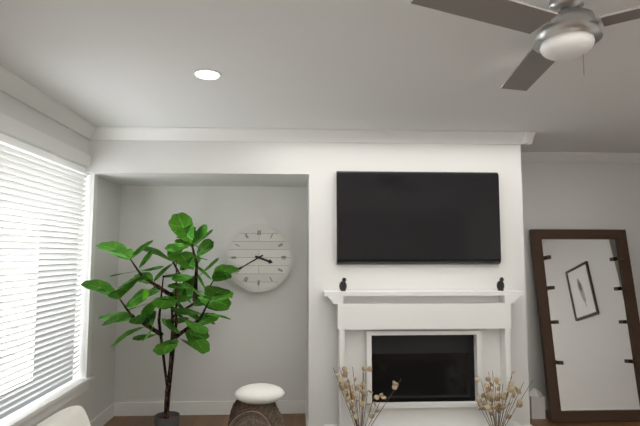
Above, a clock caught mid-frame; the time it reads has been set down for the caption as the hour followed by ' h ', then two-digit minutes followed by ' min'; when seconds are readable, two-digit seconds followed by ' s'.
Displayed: 3 h 40 min
